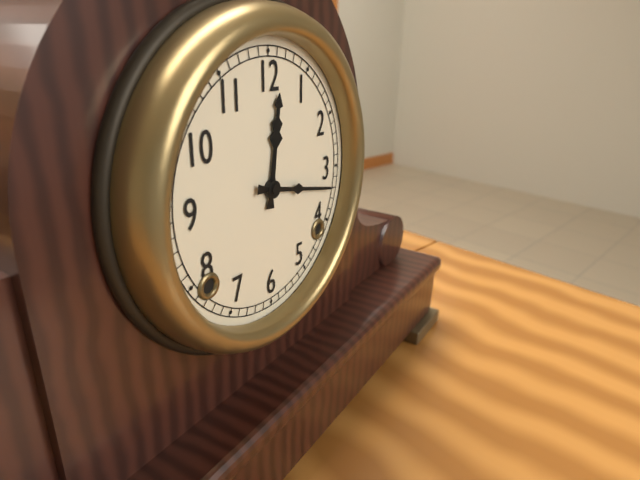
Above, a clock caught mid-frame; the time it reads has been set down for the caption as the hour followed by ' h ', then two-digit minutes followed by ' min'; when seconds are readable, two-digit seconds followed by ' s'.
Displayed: 12 h 17 min
